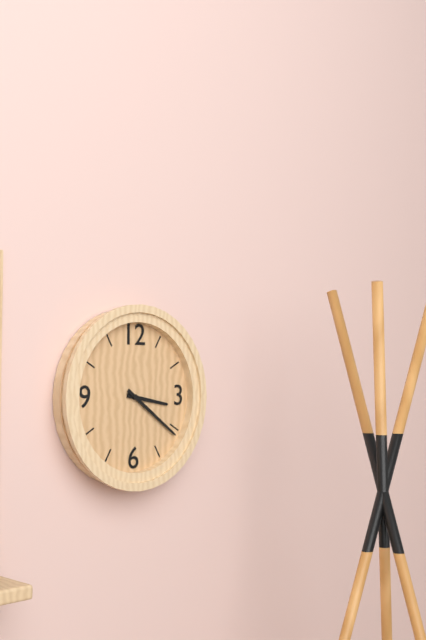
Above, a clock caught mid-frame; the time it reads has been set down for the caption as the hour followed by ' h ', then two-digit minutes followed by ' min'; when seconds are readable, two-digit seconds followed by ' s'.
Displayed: 3 h 21 min
